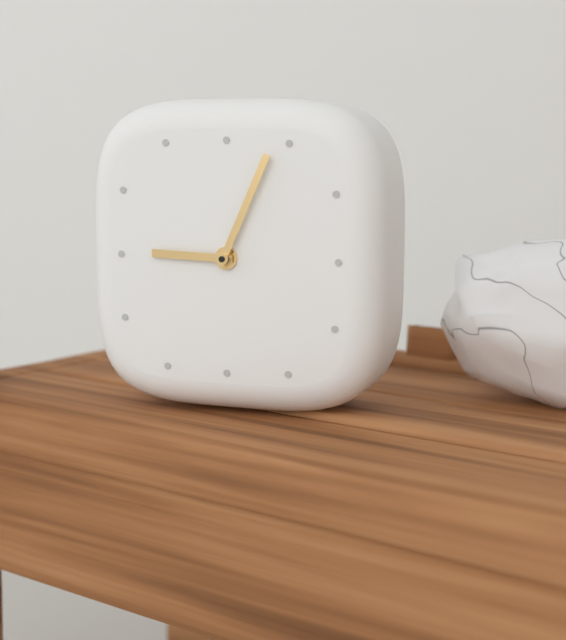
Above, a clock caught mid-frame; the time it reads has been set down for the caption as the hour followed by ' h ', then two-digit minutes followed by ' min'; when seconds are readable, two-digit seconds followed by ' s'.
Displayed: 9 h 04 min
